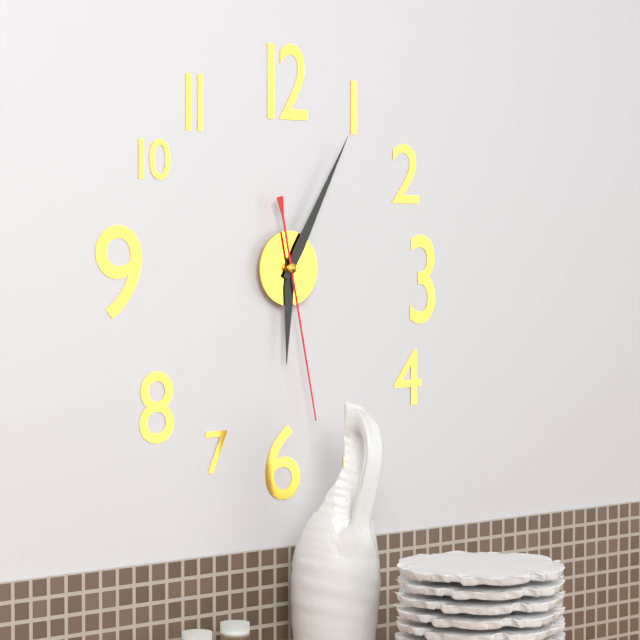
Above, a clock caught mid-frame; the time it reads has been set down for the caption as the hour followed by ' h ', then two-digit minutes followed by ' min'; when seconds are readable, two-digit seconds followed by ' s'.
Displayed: 6 h 05 min 28 s
